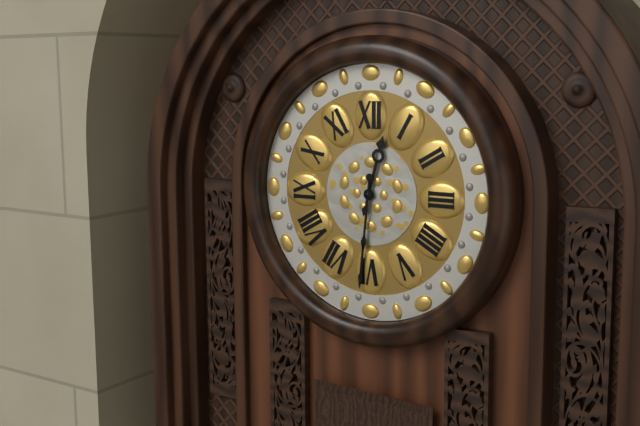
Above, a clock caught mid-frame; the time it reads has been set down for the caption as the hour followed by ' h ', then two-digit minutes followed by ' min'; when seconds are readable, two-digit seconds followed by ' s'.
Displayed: 12 h 31 min
